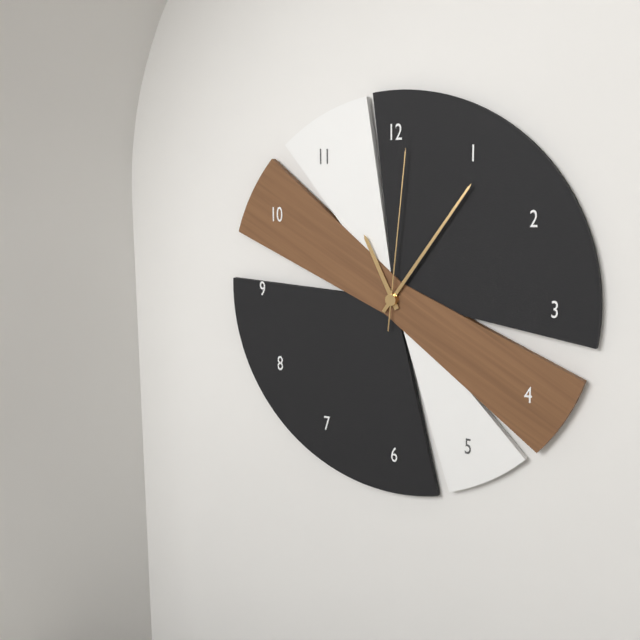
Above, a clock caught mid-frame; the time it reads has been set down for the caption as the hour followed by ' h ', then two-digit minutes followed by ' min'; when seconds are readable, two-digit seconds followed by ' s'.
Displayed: 11 h 06 min 01 s
